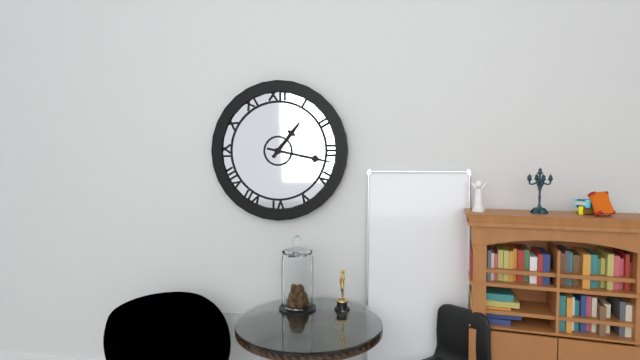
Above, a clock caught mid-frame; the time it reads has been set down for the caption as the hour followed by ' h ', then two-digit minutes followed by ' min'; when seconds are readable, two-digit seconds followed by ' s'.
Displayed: 1 h 17 min
